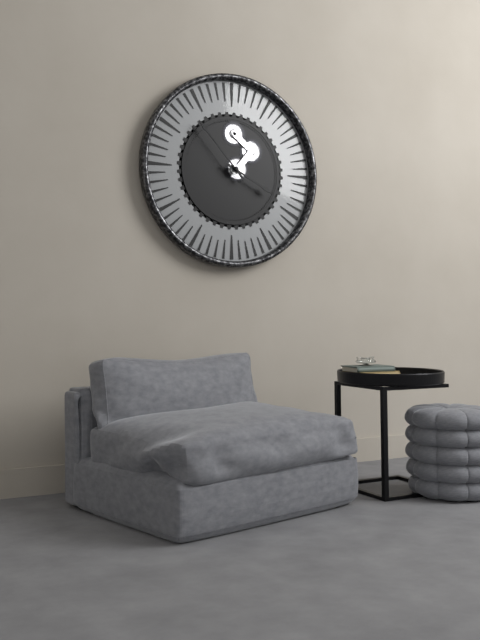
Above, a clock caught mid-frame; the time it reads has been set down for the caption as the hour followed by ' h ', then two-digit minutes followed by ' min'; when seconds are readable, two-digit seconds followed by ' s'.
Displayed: 3 h 53 min
